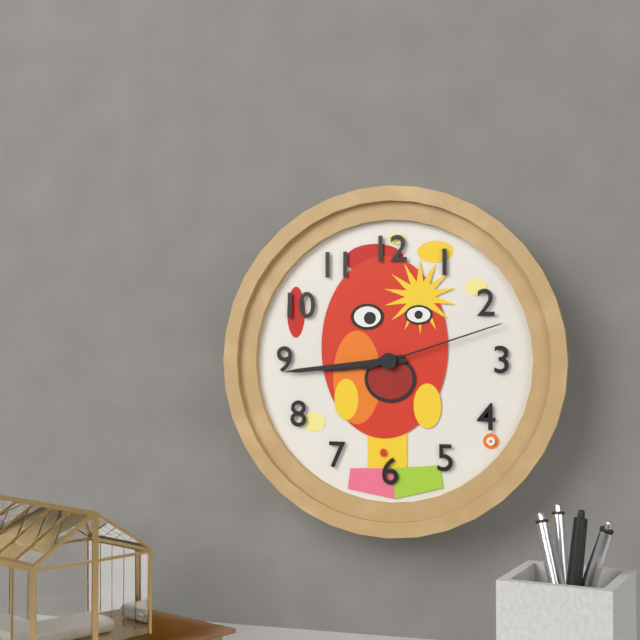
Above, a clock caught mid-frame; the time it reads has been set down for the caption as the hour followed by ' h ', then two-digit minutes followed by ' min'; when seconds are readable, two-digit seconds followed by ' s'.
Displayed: 8 h 44 min 12 s
